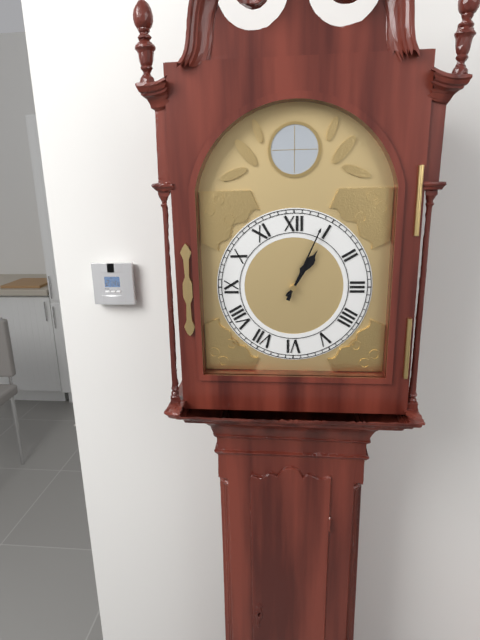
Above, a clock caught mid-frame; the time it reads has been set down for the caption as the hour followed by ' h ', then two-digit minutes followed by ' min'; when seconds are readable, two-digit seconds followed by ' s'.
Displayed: 1 h 04 min
